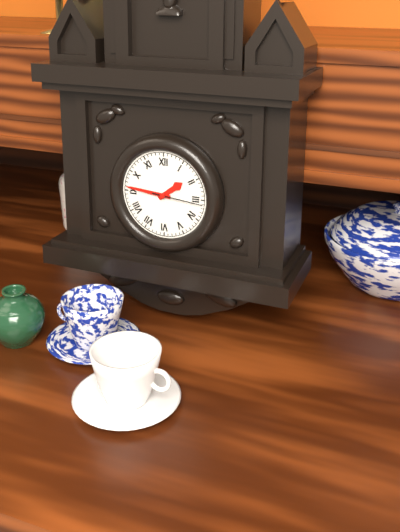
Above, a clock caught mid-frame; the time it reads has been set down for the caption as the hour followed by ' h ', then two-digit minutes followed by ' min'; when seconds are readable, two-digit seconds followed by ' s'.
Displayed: 1 h 46 min
